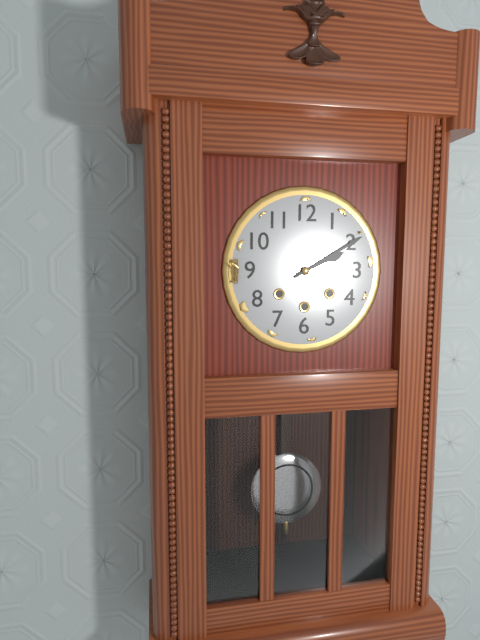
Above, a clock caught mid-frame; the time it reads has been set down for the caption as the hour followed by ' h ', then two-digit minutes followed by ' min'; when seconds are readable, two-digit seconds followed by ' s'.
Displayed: 2 h 10 min
